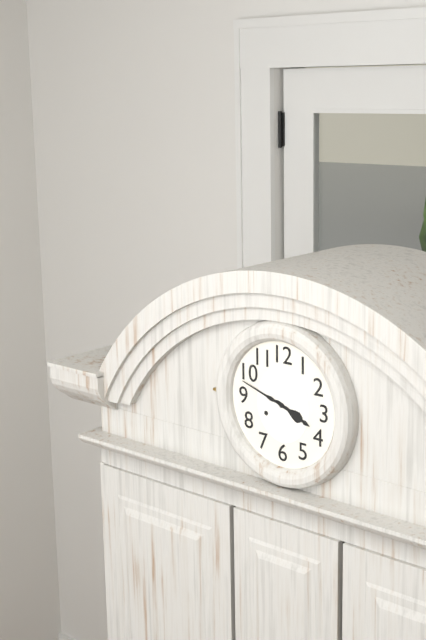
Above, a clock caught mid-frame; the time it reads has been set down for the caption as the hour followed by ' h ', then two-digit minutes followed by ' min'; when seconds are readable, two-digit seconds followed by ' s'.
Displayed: 3 h 48 min
